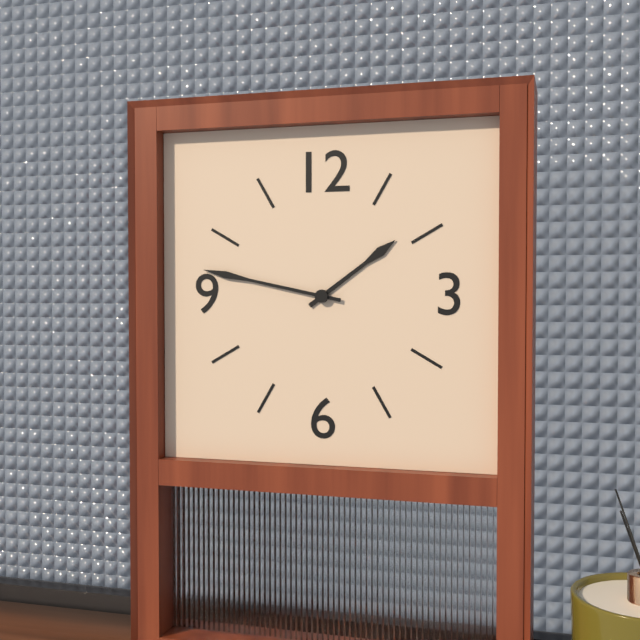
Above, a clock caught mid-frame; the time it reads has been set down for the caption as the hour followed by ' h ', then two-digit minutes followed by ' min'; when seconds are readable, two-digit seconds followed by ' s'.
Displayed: 1 h 47 min
